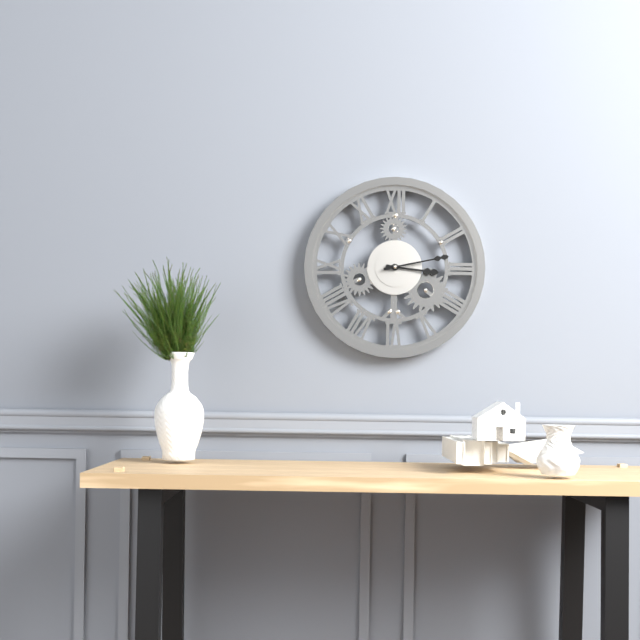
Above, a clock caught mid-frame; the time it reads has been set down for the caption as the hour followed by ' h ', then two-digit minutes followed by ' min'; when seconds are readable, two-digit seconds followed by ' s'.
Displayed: 3 h 13 min
